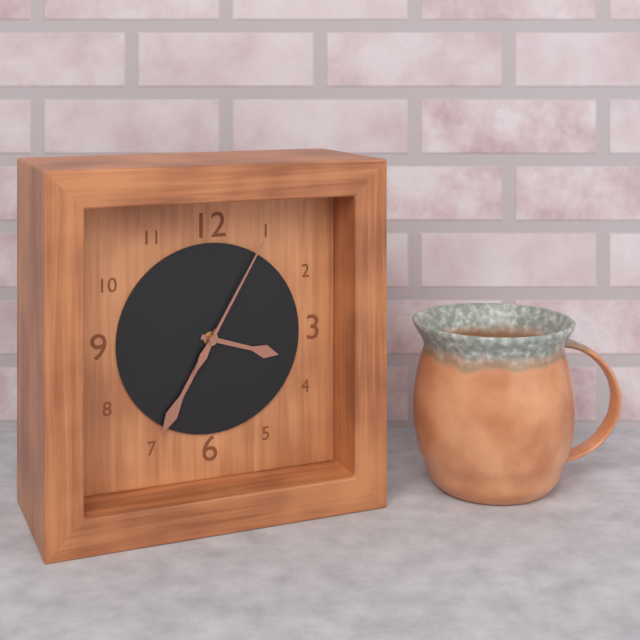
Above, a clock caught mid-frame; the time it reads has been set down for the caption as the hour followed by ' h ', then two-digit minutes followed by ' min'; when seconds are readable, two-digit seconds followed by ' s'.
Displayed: 3 h 35 min 05 s
